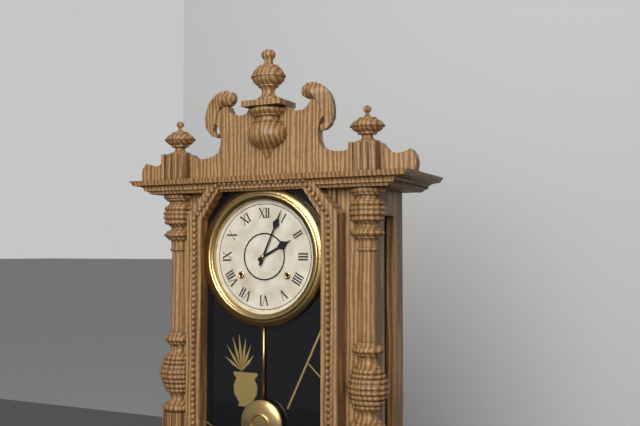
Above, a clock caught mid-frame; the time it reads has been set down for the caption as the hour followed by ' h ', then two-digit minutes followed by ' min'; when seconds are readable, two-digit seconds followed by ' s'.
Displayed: 2 h 04 min
